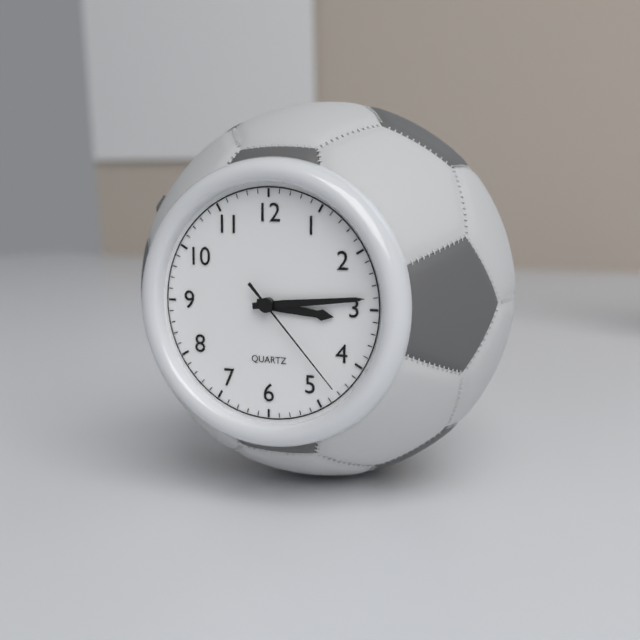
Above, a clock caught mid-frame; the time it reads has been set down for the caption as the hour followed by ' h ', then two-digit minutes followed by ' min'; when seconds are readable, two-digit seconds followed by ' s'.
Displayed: 3 h 14 min 23 s
